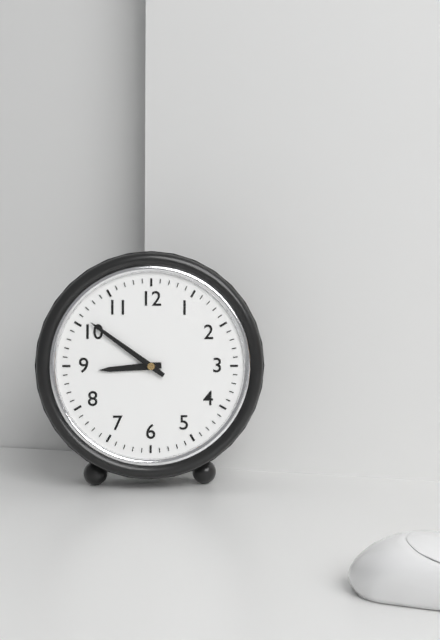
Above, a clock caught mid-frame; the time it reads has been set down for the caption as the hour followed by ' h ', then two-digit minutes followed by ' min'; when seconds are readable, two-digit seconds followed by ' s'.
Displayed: 8 h 51 min
